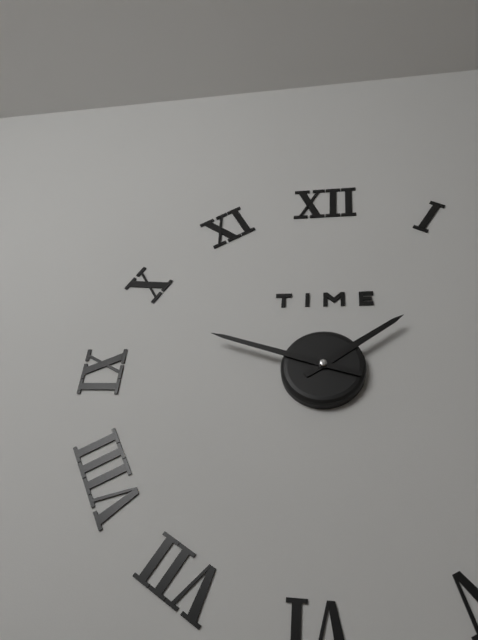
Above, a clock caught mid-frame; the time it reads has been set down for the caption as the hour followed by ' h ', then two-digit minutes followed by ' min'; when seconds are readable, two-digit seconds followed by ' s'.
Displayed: 1 h 48 min
